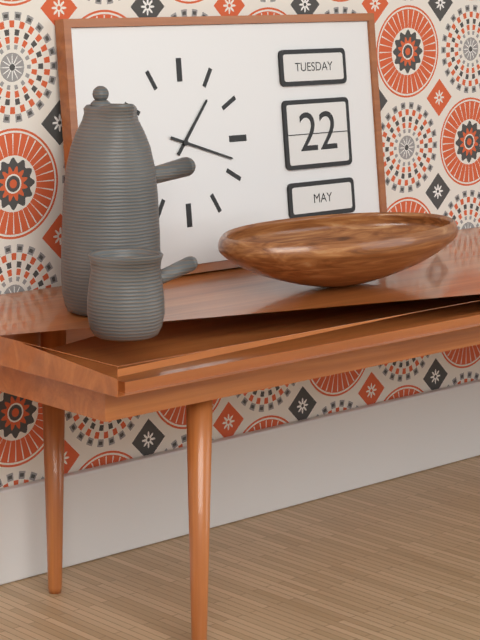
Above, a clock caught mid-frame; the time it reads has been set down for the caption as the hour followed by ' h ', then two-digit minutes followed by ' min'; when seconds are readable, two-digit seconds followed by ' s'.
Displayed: 1 h 18 min
